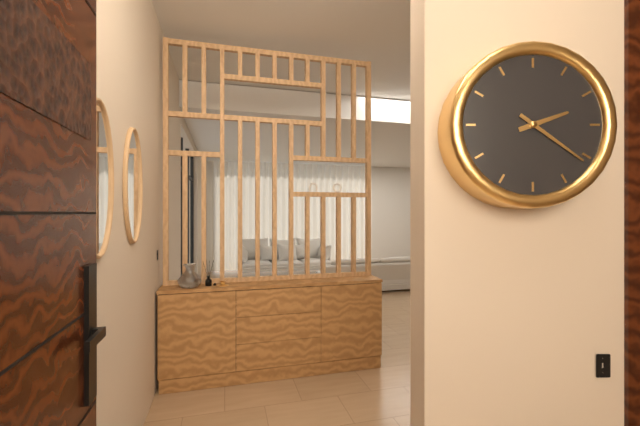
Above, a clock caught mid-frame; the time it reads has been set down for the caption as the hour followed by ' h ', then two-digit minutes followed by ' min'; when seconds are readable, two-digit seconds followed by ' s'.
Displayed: 2 h 21 min
